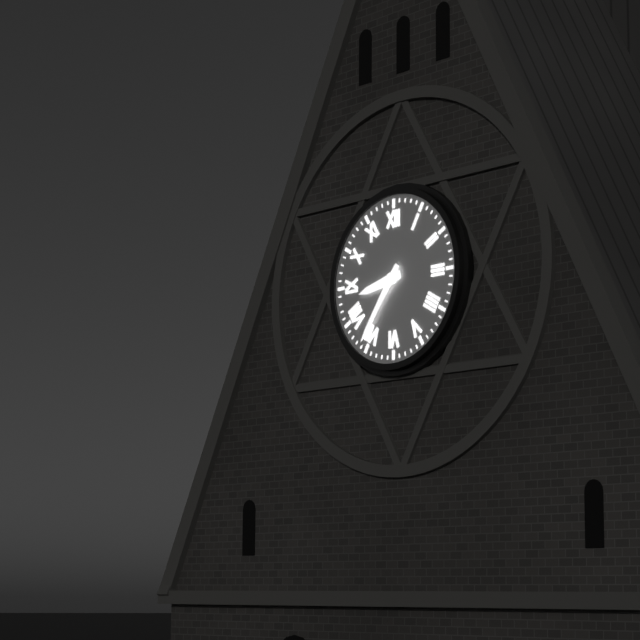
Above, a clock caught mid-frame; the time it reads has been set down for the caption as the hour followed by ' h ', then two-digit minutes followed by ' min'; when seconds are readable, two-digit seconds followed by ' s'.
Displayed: 8 h 36 min
